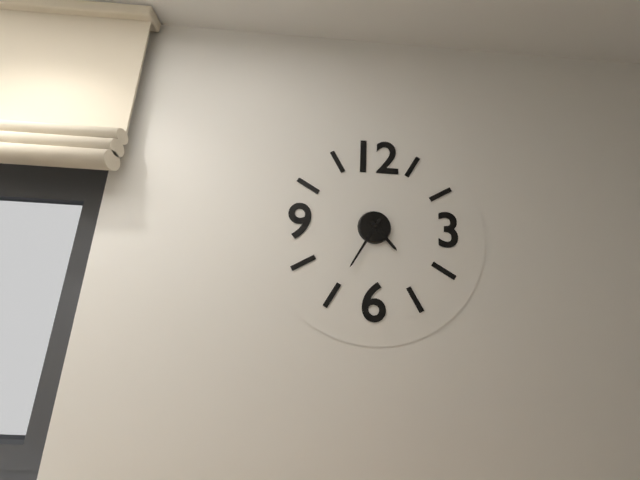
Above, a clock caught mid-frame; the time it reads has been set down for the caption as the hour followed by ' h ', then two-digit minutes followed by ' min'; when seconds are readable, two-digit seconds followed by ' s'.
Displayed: 4 h 35 min
